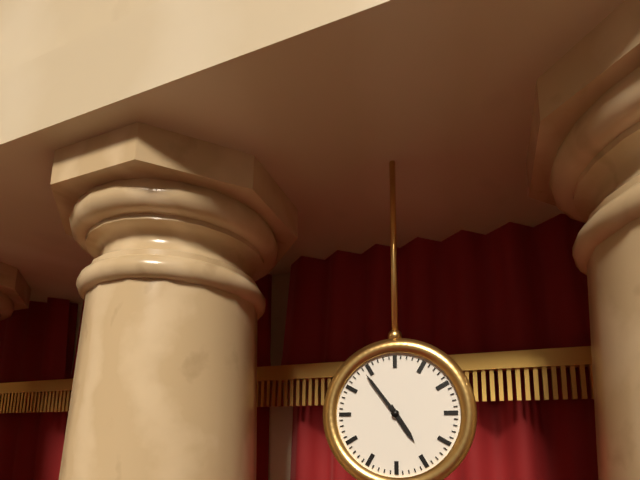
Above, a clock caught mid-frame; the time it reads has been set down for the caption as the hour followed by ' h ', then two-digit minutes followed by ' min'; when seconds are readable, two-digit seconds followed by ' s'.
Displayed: 4 h 54 min
